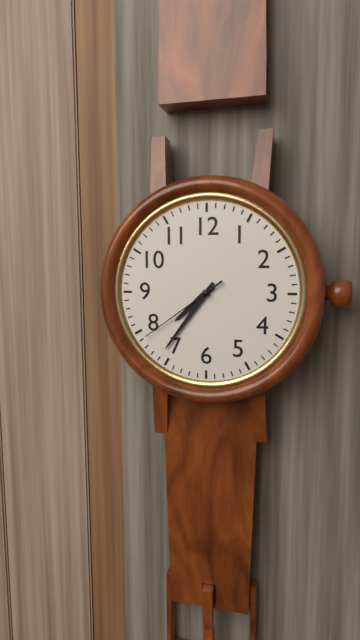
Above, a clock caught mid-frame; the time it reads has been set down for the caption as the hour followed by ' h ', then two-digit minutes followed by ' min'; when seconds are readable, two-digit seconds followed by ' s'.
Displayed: 7 h 36 min 39 s
